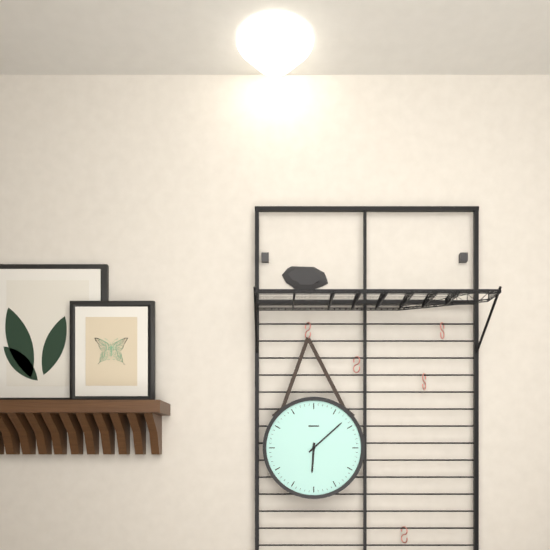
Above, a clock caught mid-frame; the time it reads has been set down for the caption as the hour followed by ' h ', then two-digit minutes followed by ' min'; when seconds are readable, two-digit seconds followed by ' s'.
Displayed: 6 h 08 min
